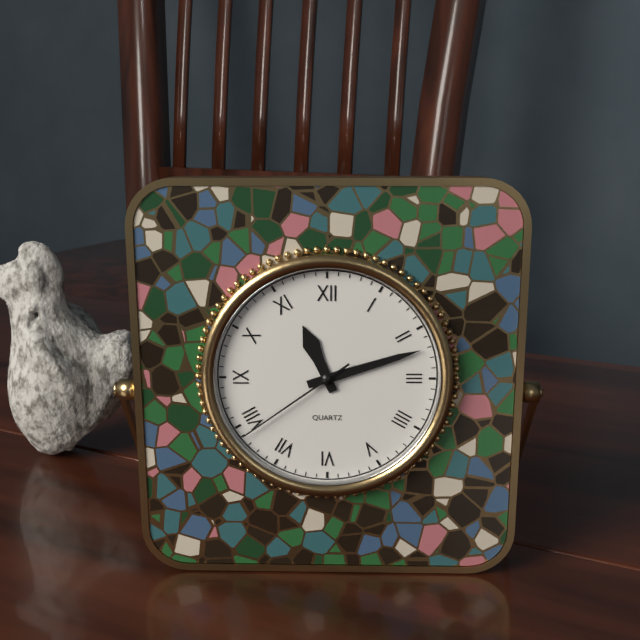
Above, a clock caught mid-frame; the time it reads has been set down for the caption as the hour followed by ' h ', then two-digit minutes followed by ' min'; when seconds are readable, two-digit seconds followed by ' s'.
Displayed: 11 h 12 min 39 s
